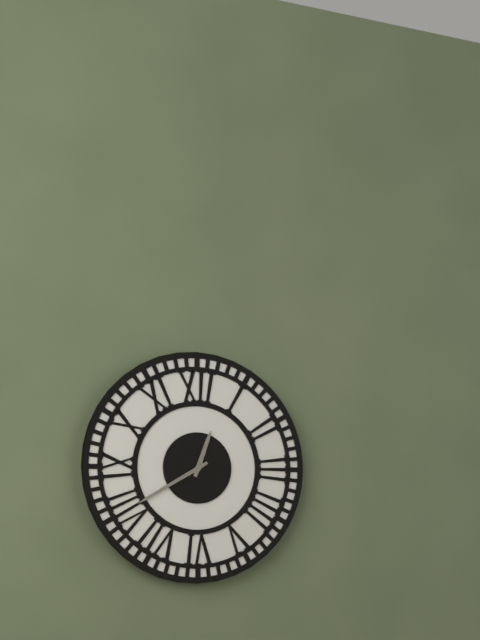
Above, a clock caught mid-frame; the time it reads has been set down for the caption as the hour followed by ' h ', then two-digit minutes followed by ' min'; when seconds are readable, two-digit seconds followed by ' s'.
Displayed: 12 h 40 min
